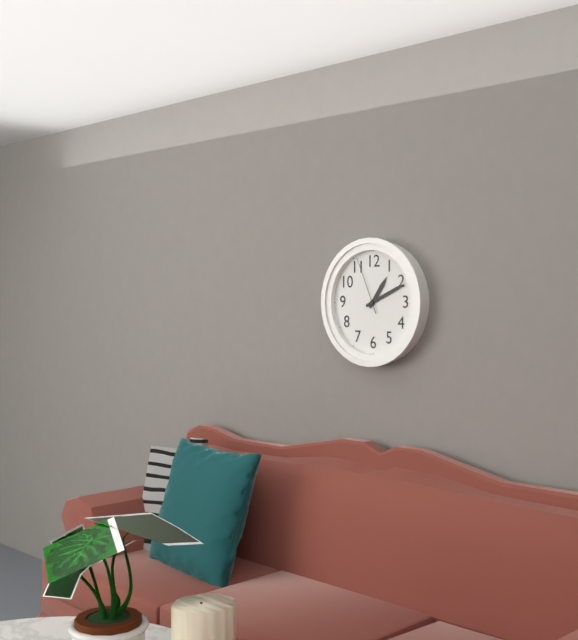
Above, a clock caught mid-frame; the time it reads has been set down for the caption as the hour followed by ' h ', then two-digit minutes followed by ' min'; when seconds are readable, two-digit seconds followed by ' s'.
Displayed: 1 h 11 min 56 s
